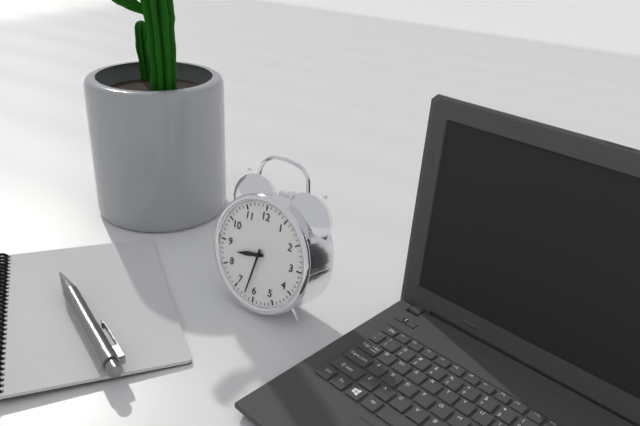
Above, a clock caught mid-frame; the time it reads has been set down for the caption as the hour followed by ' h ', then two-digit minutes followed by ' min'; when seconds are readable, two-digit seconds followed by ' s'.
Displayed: 8 h 32 min
